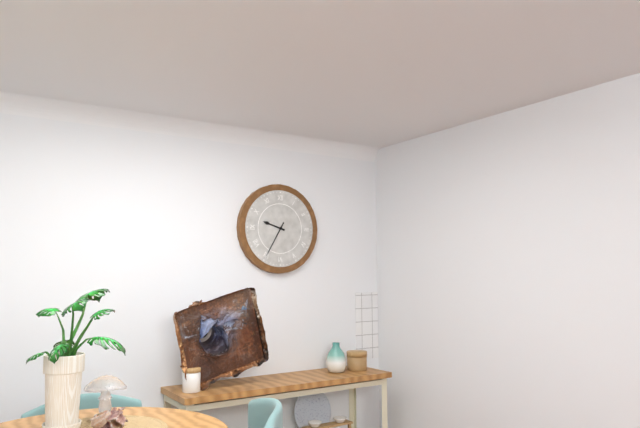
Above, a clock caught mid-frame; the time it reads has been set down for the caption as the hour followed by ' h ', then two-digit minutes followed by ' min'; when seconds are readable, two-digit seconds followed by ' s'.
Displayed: 9 h 35 min
